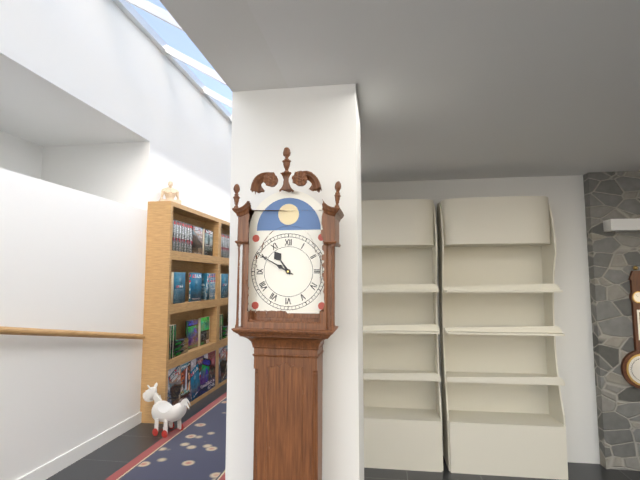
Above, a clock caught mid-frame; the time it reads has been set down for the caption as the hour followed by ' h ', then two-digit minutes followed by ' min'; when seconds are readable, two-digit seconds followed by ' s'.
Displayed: 10 h 50 min
